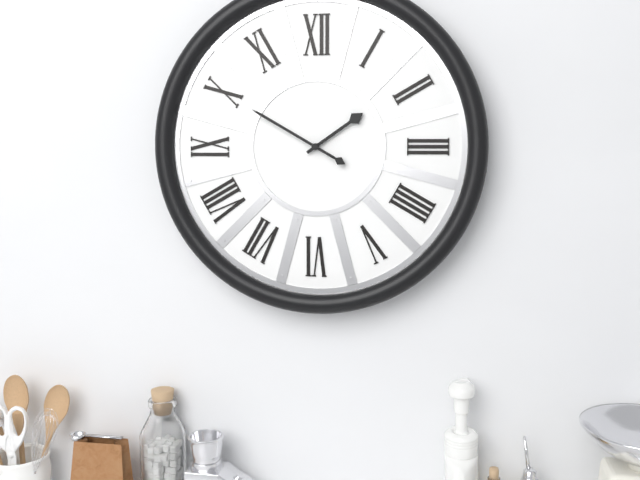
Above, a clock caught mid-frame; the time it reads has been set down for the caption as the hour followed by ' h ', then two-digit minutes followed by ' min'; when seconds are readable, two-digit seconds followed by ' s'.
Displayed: 1 h 50 min
